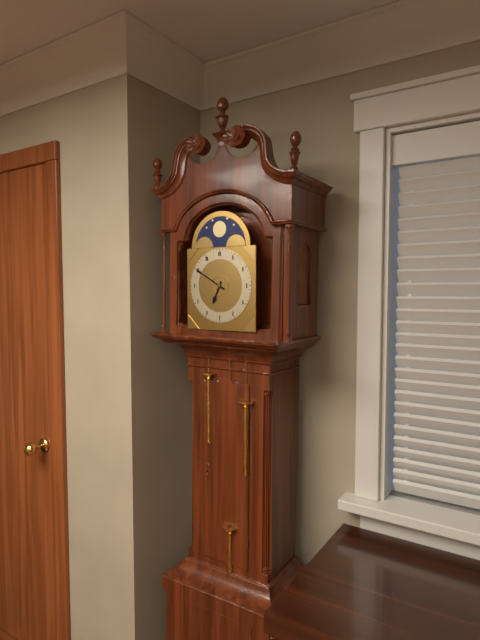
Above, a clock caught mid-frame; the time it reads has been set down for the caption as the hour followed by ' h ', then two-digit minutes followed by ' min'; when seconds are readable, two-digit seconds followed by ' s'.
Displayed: 6 h 50 min
